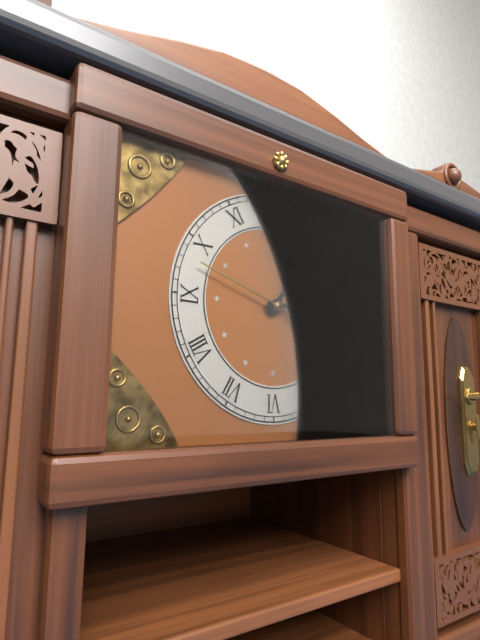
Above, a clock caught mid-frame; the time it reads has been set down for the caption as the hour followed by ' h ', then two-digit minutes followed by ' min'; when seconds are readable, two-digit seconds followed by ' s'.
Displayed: 1 h 14 min 48 s
